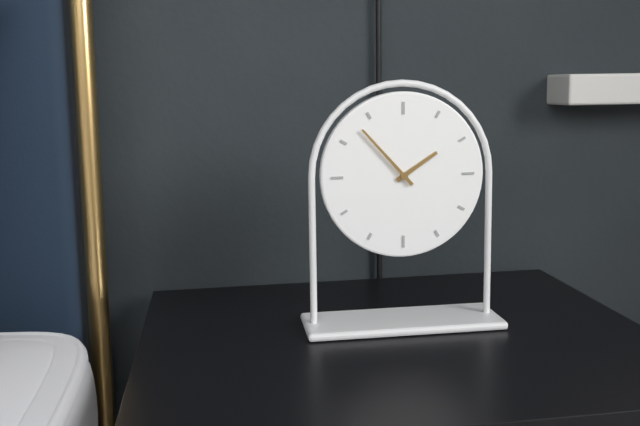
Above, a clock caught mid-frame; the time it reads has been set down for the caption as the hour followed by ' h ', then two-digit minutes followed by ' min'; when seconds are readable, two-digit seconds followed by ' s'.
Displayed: 1 h 53 min
